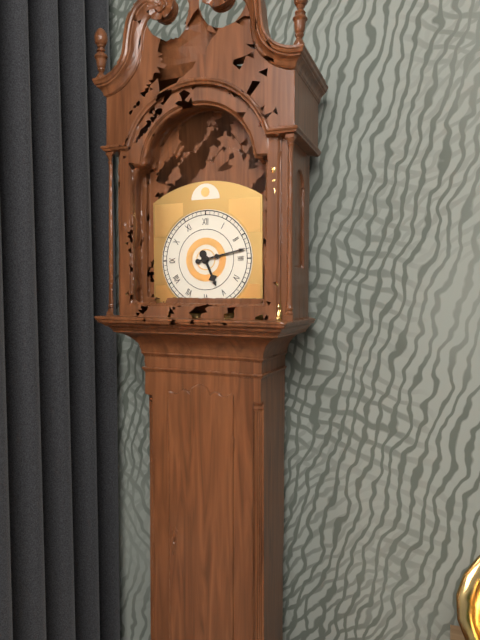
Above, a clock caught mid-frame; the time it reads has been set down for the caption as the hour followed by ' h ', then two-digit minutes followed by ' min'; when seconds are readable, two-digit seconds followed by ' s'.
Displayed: 5 h 13 min
